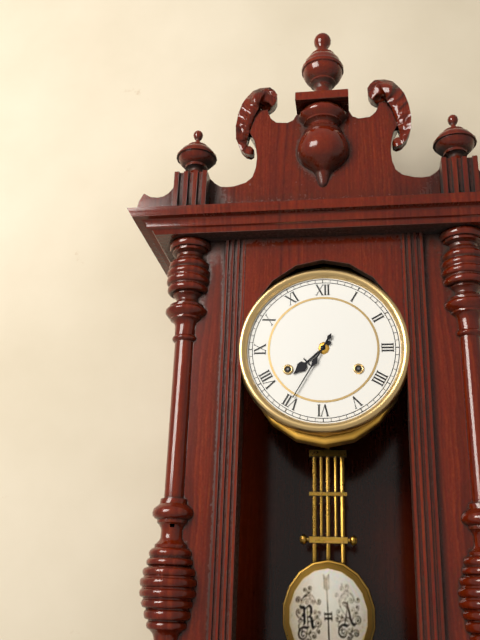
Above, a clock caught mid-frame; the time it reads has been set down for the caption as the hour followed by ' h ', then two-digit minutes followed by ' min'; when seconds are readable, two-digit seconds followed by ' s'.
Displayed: 7 h 35 min
